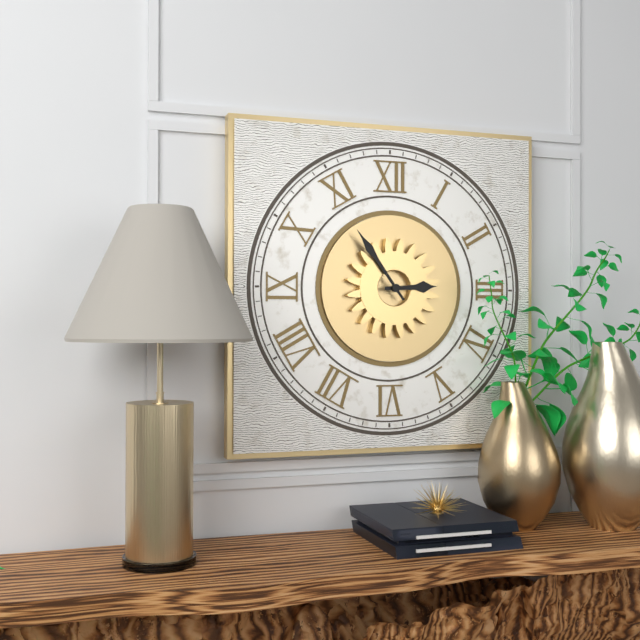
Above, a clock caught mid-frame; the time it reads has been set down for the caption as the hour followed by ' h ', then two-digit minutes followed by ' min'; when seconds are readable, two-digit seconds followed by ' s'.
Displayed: 2 h 54 min
